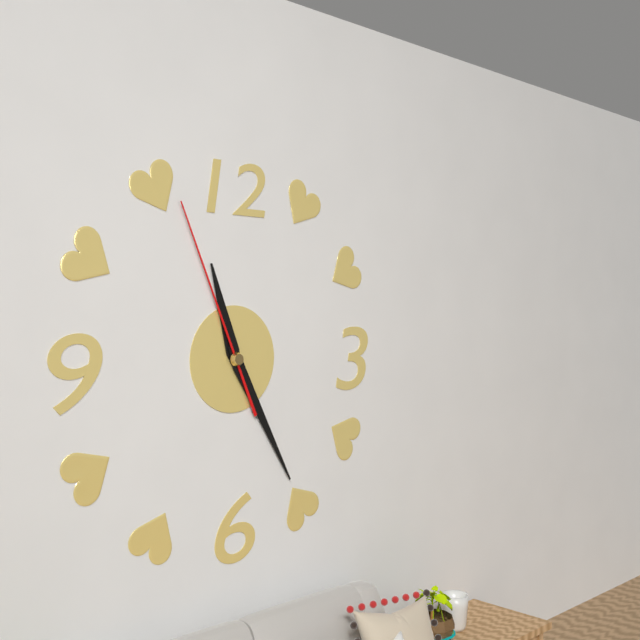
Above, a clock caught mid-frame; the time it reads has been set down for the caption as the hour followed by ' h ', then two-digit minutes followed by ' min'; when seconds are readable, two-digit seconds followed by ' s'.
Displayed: 11 h 25 min 56 s
